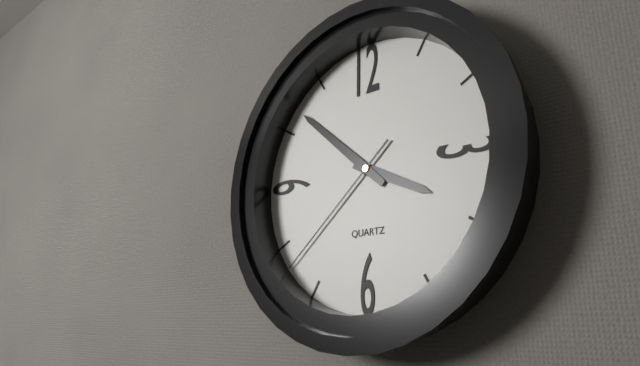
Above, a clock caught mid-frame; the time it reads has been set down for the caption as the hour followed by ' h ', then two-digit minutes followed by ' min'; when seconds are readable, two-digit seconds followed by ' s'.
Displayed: 3 h 52 min 38 s
